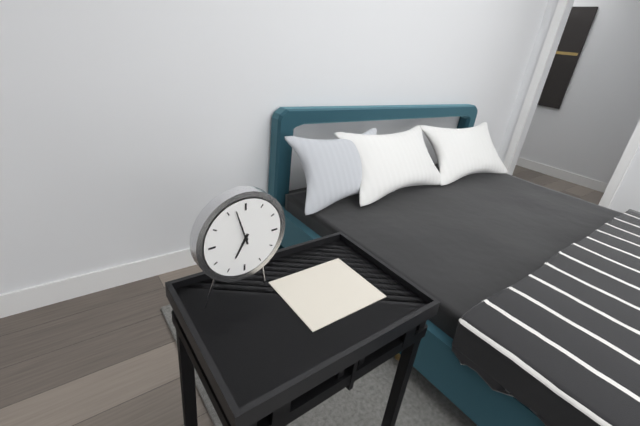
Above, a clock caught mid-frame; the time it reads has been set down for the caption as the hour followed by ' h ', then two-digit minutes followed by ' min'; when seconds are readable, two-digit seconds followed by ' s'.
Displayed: 6 h 57 min
